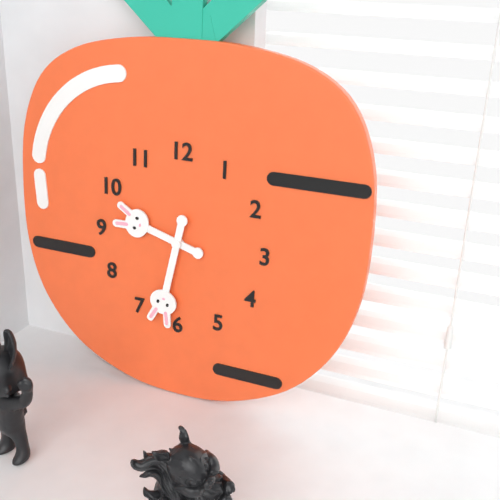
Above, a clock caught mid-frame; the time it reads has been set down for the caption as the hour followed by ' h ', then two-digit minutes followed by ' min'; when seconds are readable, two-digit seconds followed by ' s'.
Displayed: 9 h 32 min
